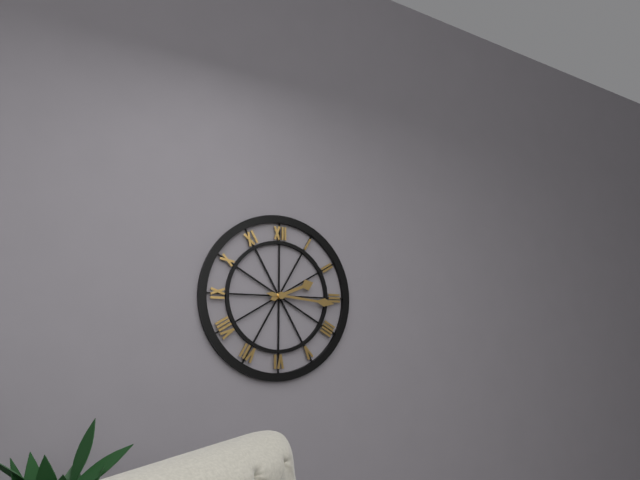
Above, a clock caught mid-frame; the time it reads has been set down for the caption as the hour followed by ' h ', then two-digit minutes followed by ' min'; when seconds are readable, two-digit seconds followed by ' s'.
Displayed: 2 h 16 min
